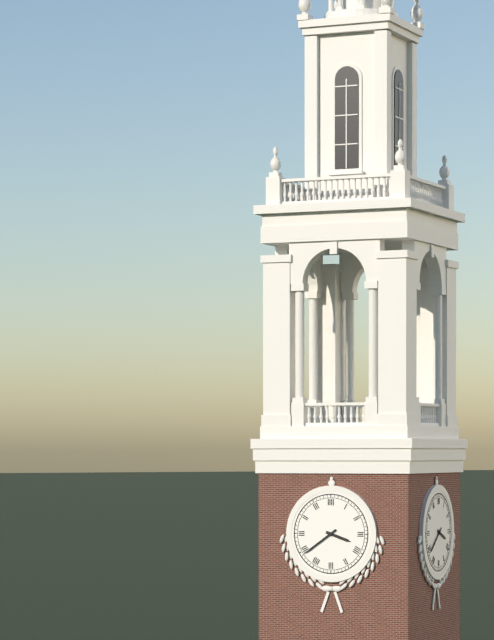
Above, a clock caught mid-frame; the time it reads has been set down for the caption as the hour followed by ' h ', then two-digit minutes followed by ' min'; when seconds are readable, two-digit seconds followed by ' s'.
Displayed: 3 h 39 min
